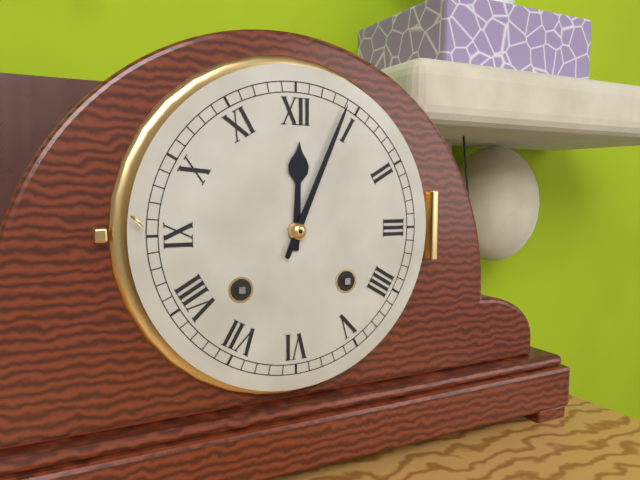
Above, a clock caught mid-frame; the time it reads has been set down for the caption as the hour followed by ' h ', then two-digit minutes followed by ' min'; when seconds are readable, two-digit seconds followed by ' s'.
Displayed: 12 h 04 min
